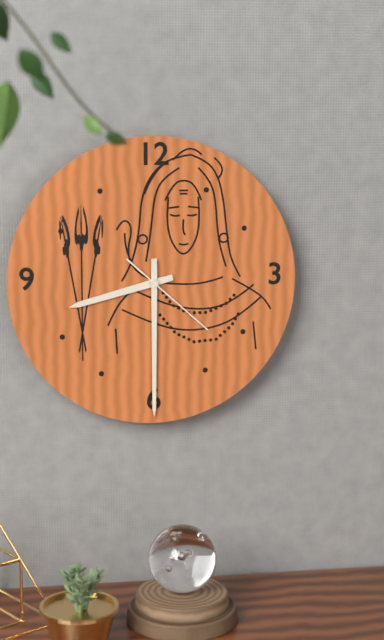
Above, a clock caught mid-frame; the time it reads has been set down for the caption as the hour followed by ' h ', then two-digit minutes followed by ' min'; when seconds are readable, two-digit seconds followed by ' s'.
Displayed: 8 h 30 min 22 s
